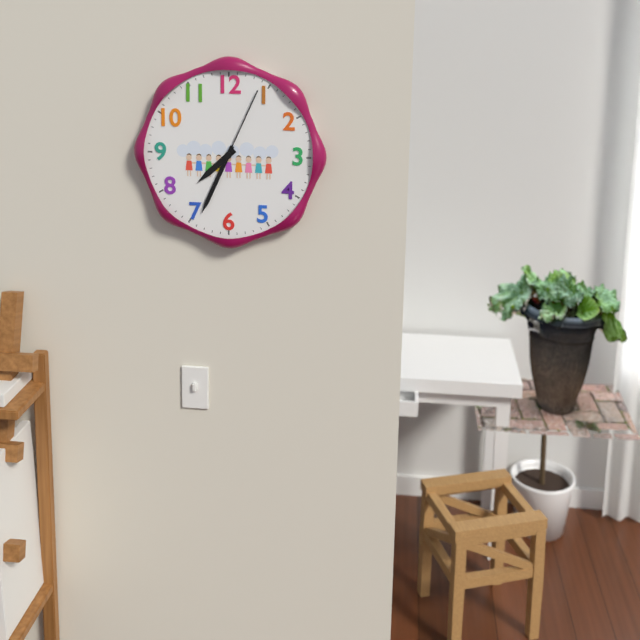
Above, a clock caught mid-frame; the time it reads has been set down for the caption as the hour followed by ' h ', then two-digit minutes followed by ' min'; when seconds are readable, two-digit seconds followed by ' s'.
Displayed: 7 h 34 min 04 s
